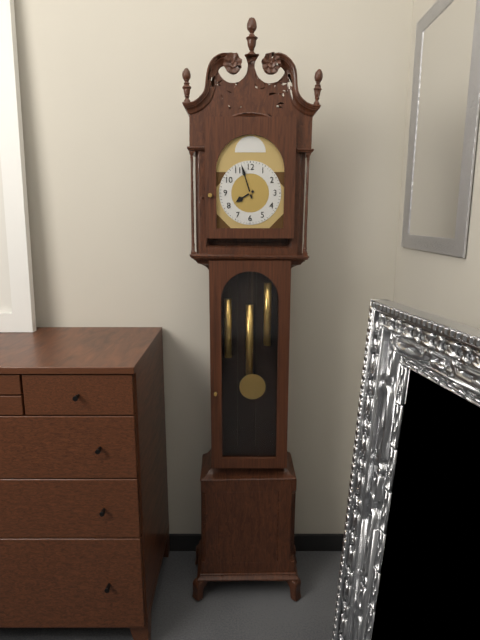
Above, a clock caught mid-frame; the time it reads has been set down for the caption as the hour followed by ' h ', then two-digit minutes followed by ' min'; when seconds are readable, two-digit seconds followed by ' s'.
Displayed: 7 h 57 min
